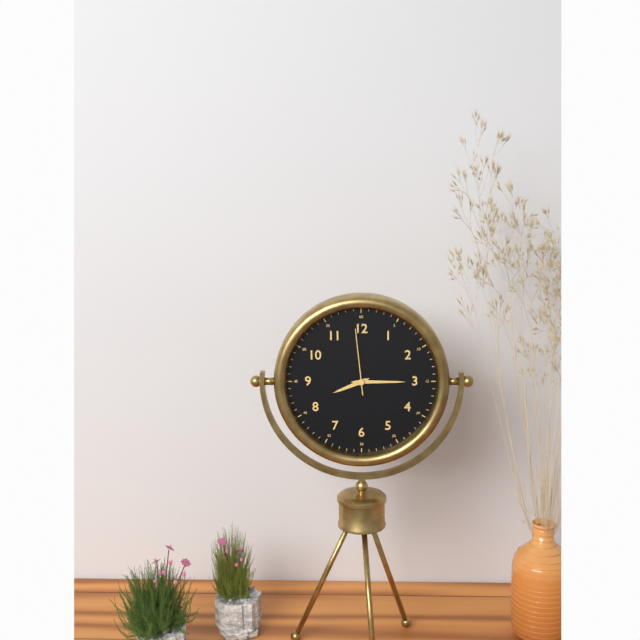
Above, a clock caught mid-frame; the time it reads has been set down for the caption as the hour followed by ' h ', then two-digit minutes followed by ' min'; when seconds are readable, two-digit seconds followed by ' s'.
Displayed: 8 h 15 min 59 s
